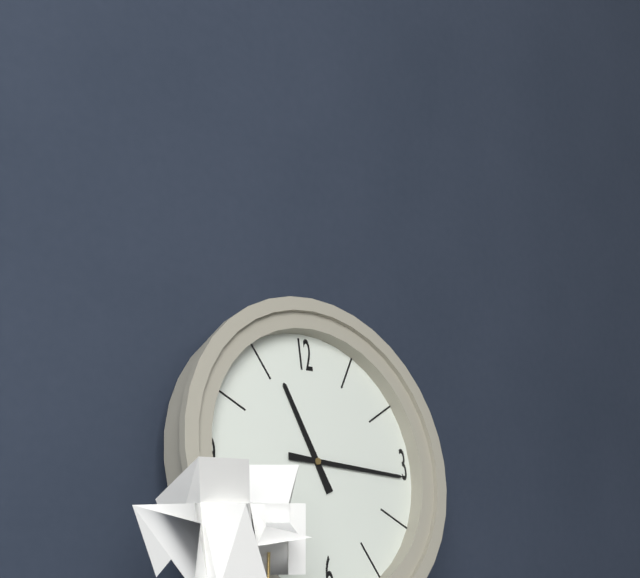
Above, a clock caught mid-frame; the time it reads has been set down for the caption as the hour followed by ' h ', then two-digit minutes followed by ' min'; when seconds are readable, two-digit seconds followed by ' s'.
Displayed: 11 h 16 min
